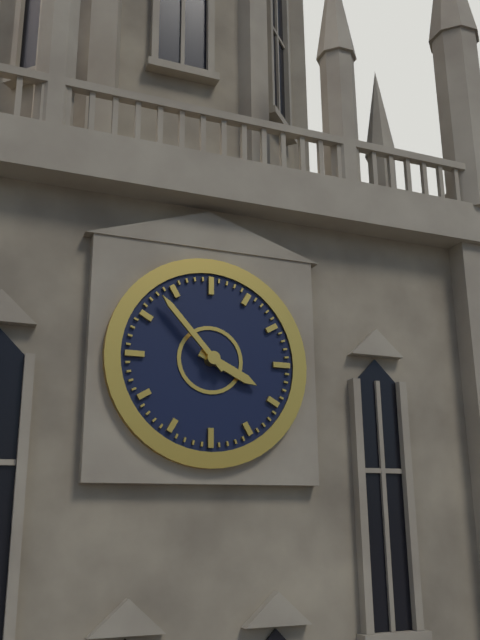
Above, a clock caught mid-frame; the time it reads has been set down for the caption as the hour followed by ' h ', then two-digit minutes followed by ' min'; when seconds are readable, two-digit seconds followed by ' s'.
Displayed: 3 h 53 min
